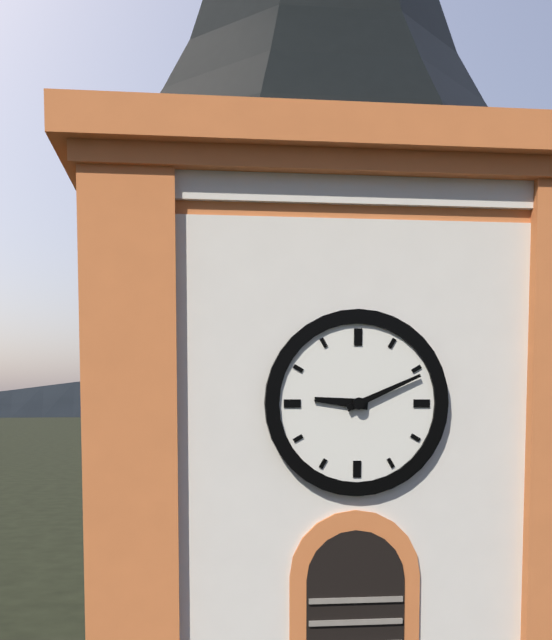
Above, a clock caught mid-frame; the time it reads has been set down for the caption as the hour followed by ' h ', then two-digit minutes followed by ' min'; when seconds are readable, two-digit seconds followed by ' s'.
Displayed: 9 h 11 min
